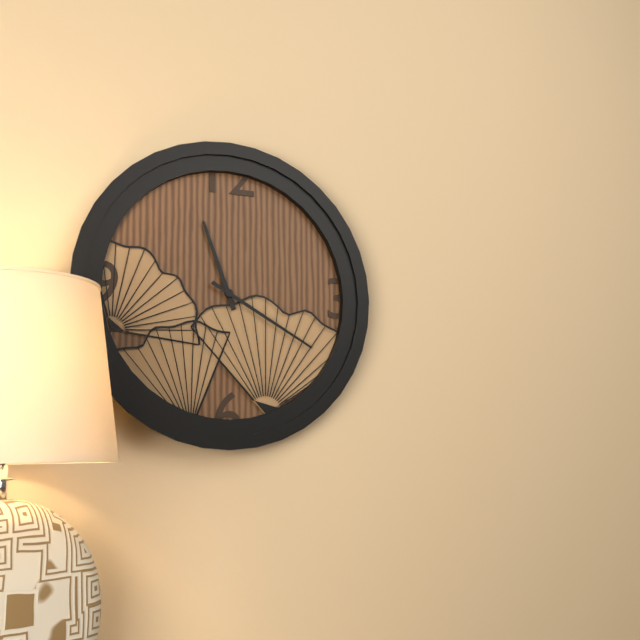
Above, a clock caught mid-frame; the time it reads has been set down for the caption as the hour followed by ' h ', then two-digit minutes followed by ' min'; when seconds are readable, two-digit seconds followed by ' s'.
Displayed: 11 h 20 min
